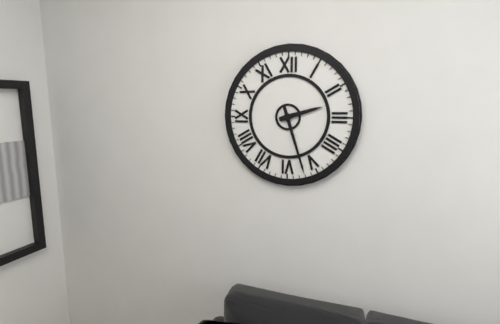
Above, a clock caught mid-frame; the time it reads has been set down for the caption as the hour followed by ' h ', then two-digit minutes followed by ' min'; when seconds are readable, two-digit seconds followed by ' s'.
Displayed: 2 h 27 min
